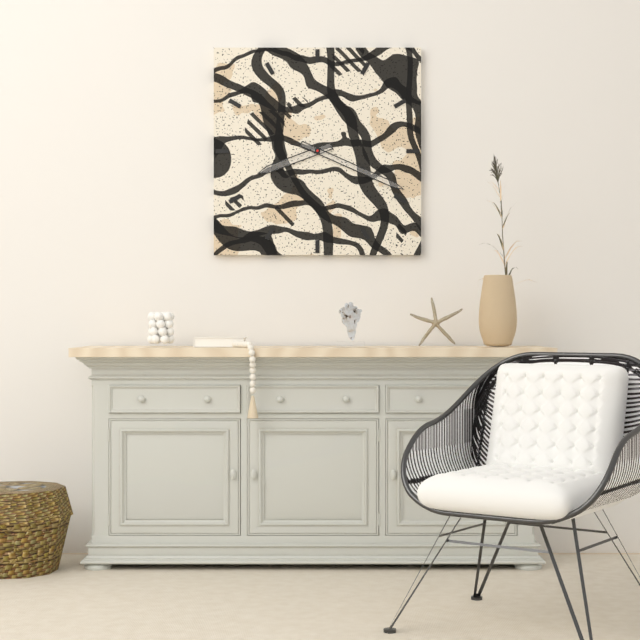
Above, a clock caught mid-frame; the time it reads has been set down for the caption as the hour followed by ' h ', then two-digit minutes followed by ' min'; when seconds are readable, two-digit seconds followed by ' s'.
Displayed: 8 h 19 min
